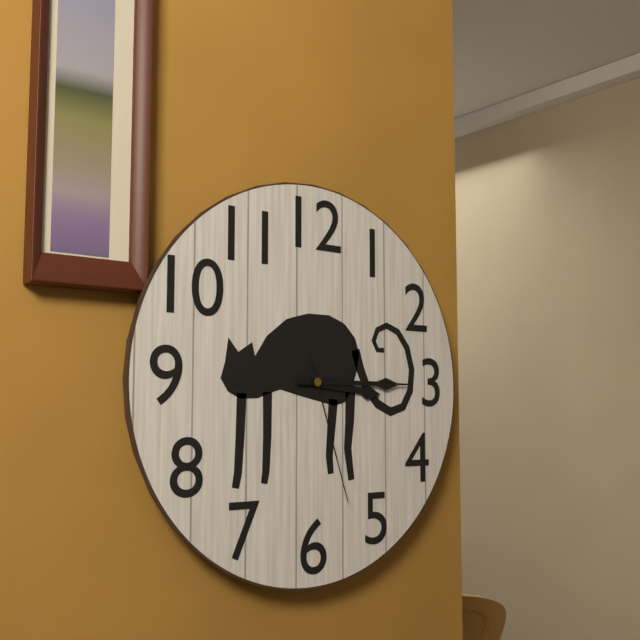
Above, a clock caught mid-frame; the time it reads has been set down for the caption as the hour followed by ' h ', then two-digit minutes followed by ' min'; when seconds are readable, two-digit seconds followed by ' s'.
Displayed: 3 h 15 min 27 s
